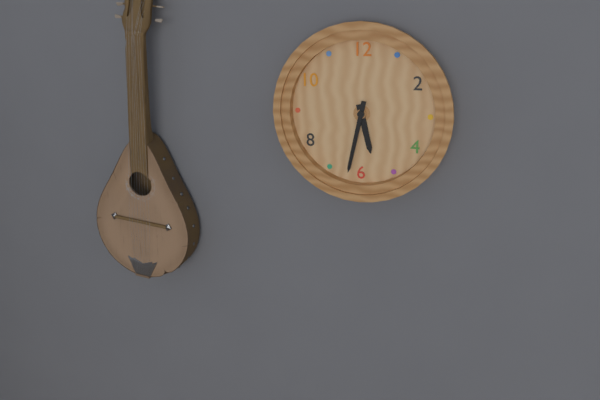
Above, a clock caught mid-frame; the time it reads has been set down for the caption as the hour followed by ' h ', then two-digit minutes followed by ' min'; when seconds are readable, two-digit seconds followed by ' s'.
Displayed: 5 h 32 min
